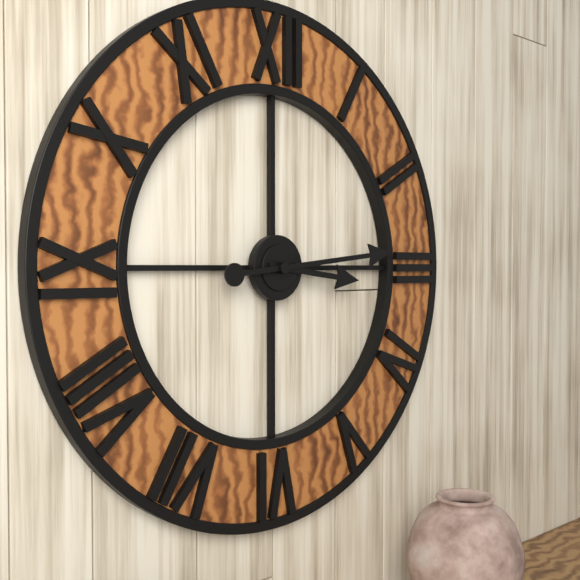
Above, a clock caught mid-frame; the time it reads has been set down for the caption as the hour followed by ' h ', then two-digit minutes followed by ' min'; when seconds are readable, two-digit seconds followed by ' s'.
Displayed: 3 h 14 min
